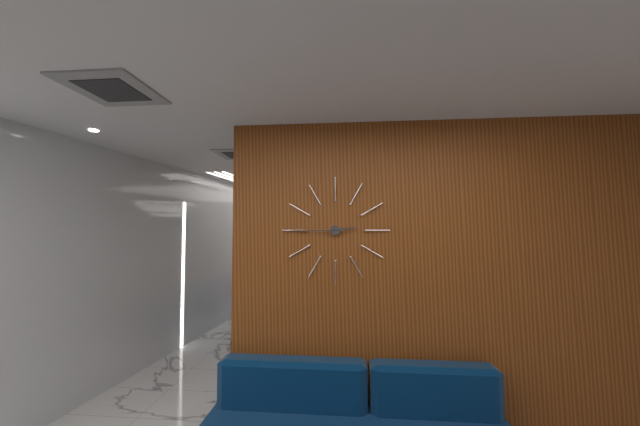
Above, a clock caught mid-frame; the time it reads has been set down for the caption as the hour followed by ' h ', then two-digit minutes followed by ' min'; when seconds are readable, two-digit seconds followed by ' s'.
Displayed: 2 h 45 min
